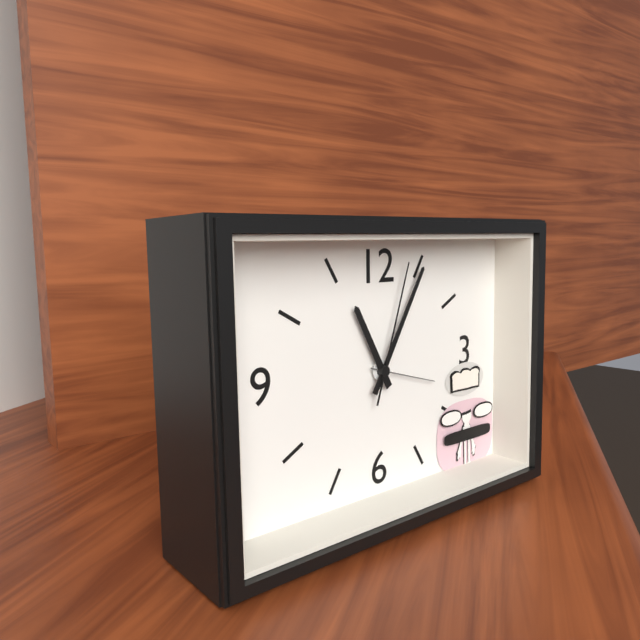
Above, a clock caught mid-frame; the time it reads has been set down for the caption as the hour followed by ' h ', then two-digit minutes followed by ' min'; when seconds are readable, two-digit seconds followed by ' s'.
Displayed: 11 h 05 min 03 s
